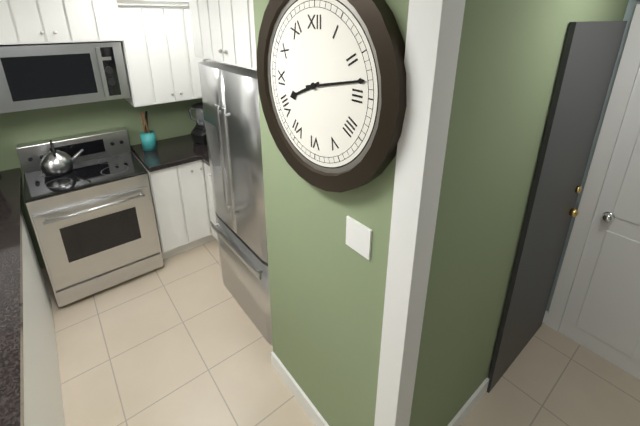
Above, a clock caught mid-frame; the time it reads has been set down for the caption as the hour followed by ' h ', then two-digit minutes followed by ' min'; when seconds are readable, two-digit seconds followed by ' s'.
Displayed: 8 h 13 min
